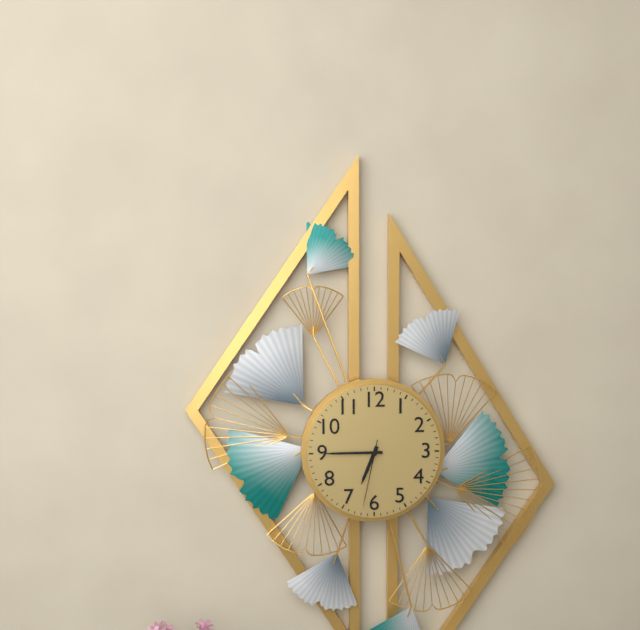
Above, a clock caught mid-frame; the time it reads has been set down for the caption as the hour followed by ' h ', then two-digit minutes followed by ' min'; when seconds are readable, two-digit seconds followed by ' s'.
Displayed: 6 h 45 min 32 s
